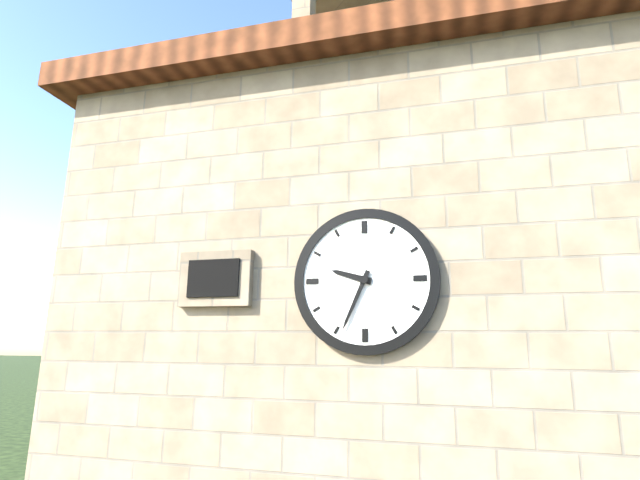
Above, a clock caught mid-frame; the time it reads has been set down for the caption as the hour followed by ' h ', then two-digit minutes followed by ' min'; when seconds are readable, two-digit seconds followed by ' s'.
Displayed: 9 h 34 min
